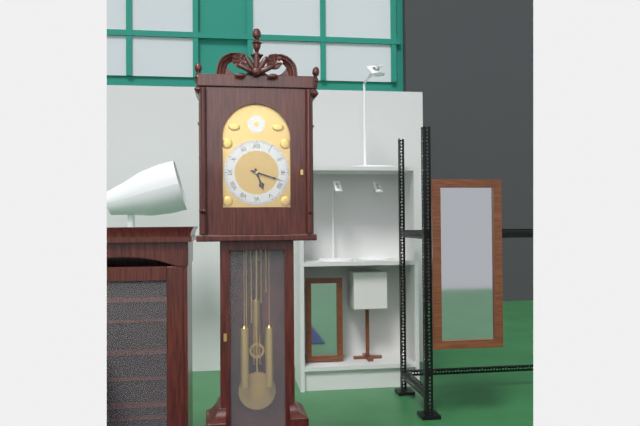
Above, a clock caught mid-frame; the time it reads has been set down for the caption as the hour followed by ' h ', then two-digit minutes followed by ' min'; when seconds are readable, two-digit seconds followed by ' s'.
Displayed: 5 h 18 min
